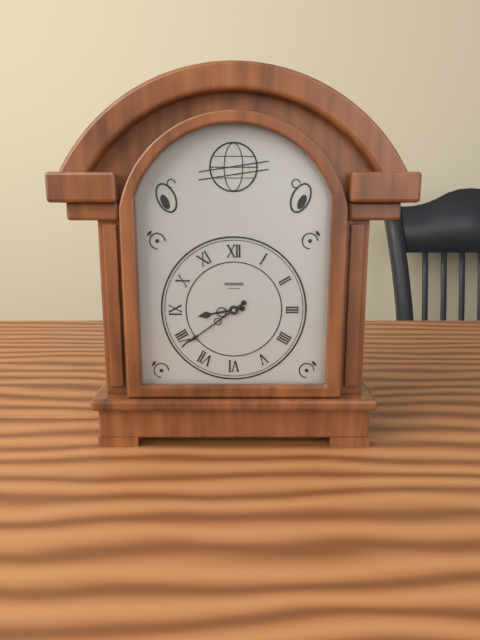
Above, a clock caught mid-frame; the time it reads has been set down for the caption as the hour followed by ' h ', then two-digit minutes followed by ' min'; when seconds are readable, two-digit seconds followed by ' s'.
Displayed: 8 h 39 min
